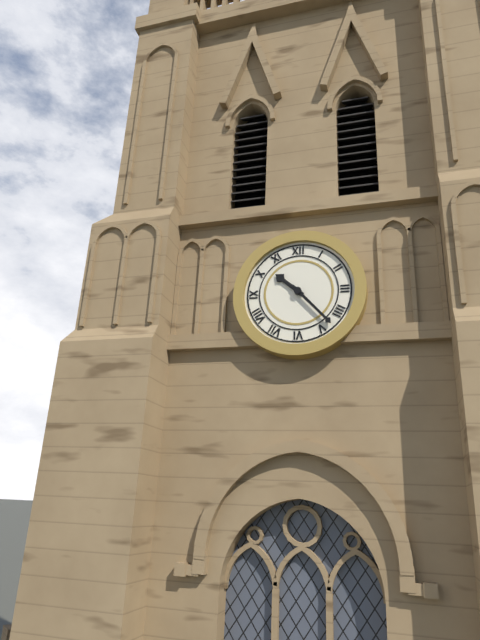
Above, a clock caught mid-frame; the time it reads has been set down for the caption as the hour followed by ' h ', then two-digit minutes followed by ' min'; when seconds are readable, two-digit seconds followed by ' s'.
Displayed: 10 h 23 min
